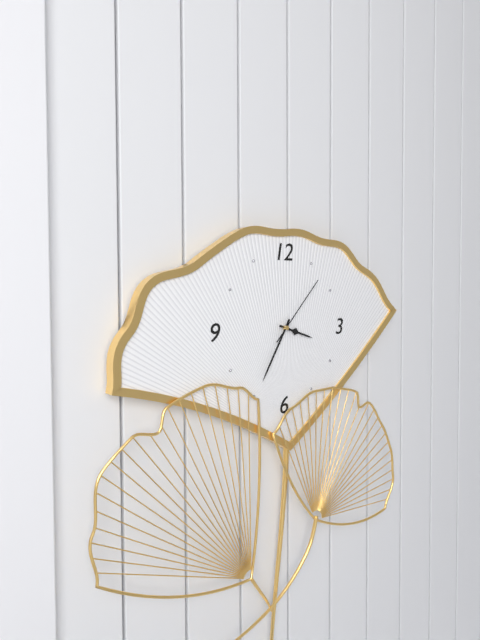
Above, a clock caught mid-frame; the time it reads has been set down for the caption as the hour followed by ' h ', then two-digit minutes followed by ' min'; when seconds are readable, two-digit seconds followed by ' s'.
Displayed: 3 h 35 min 07 s
